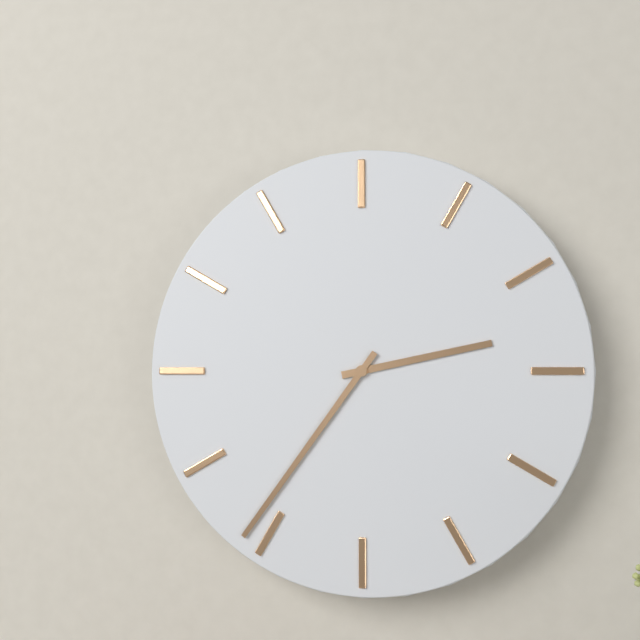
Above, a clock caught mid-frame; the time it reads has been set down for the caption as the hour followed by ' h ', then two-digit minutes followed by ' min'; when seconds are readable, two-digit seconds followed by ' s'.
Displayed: 2 h 36 min
